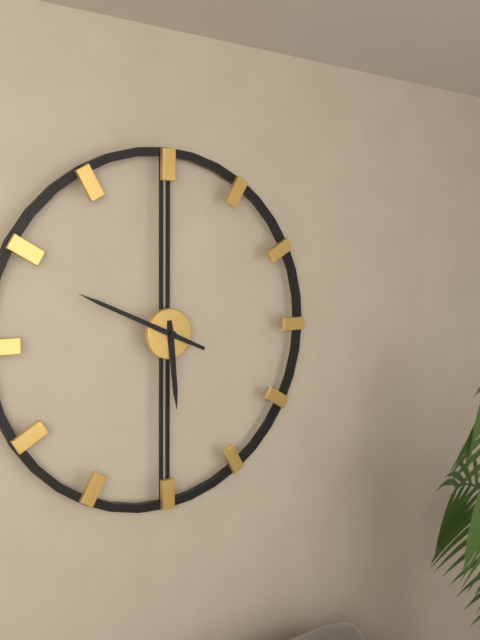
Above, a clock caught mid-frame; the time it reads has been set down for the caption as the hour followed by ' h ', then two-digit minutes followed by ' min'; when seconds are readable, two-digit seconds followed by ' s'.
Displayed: 5 h 49 min
